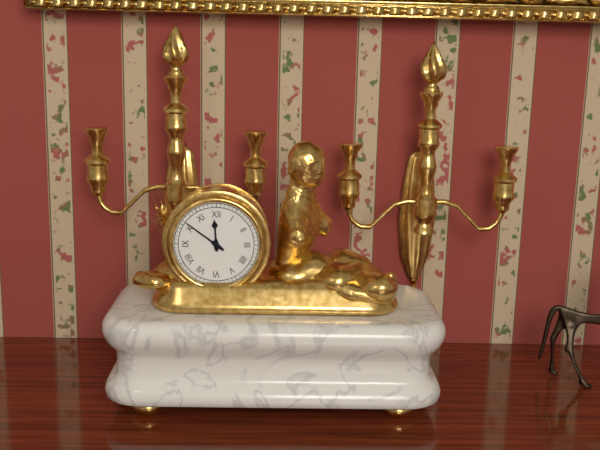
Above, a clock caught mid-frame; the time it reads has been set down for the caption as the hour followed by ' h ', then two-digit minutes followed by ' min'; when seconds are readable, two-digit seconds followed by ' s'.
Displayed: 11 h 51 min
